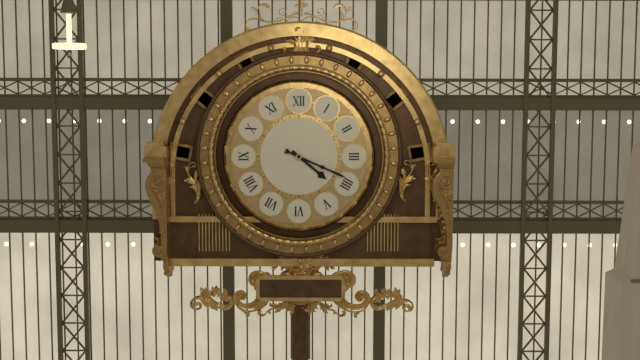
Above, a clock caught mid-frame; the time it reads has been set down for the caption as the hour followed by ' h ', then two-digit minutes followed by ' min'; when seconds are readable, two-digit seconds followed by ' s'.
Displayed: 4 h 19 min
